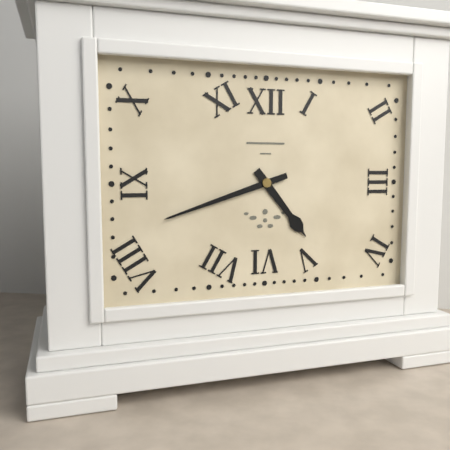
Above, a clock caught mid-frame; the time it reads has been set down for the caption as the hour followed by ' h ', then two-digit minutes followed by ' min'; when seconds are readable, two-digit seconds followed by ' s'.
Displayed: 4 h 42 min
